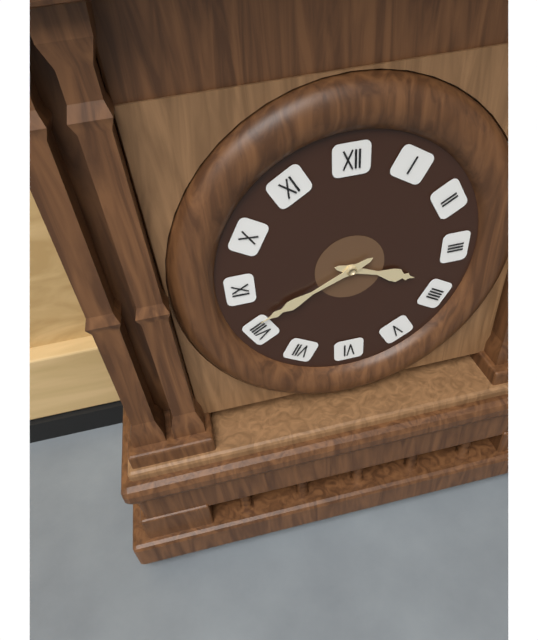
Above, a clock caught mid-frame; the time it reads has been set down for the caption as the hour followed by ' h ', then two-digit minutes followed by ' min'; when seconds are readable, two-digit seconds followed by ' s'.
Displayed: 3 h 41 min
